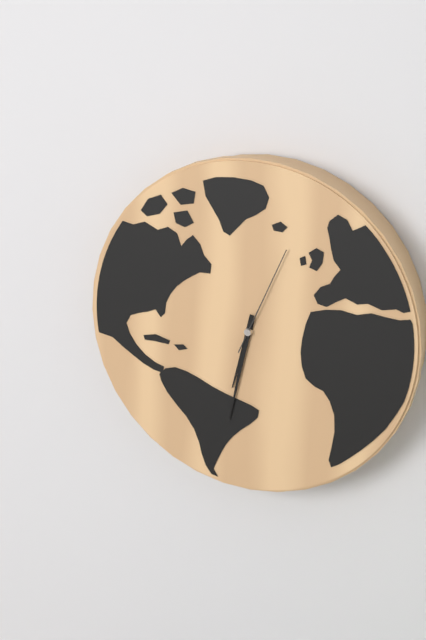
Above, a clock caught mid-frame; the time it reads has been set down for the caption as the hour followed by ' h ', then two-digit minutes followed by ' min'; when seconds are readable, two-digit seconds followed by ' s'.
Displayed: 6 h 32 min 04 s
